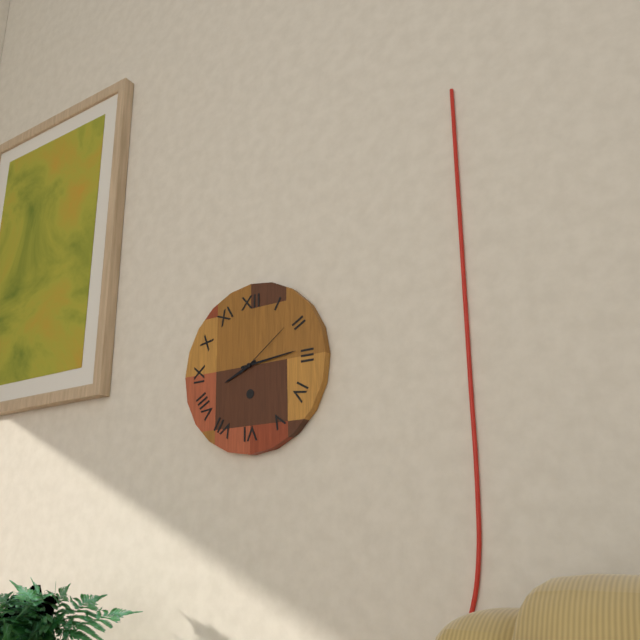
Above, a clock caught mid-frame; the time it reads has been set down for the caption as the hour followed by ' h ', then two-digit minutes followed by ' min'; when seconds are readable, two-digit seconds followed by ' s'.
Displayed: 8 h 14 min 09 s
